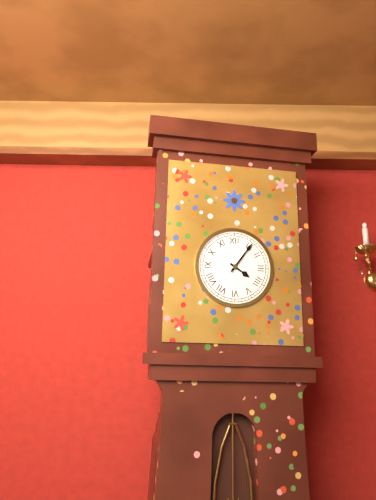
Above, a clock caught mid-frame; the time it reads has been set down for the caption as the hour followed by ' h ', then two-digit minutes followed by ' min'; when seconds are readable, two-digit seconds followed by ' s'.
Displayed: 4 h 06 min
